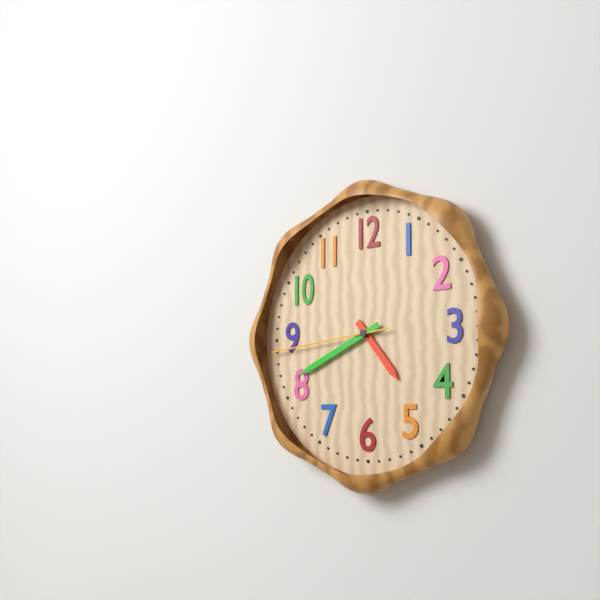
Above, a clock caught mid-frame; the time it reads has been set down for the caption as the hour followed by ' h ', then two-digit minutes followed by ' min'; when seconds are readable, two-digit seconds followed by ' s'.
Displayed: 4 h 41 min 44 s
